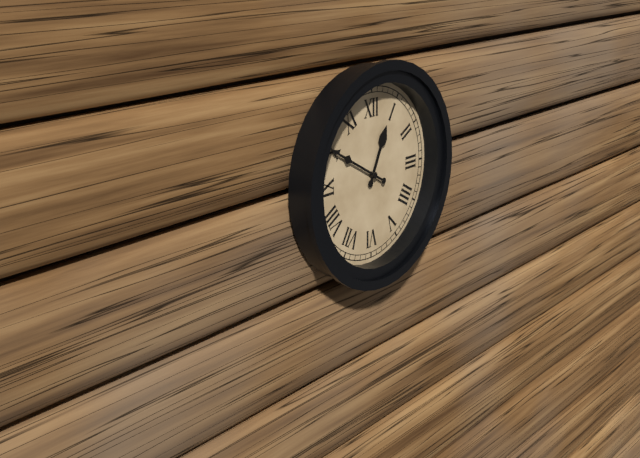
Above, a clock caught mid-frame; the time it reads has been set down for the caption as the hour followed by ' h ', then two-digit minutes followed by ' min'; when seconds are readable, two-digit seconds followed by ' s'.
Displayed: 12 h 50 min
